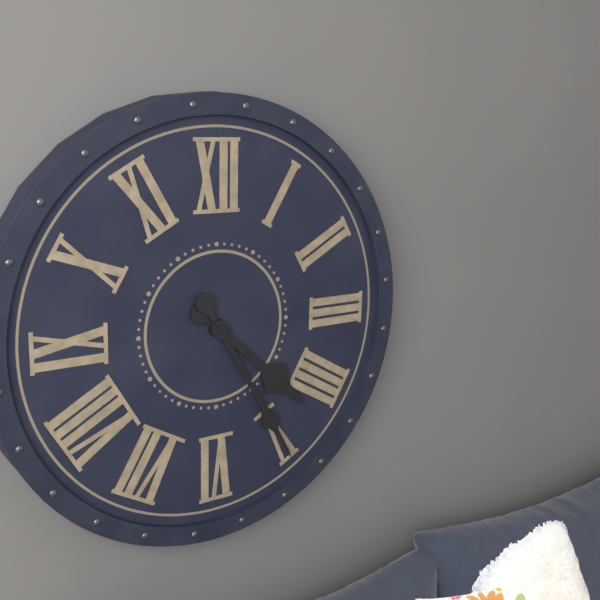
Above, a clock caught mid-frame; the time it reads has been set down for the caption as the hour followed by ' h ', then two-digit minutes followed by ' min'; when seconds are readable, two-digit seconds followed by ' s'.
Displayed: 4 h 25 min
